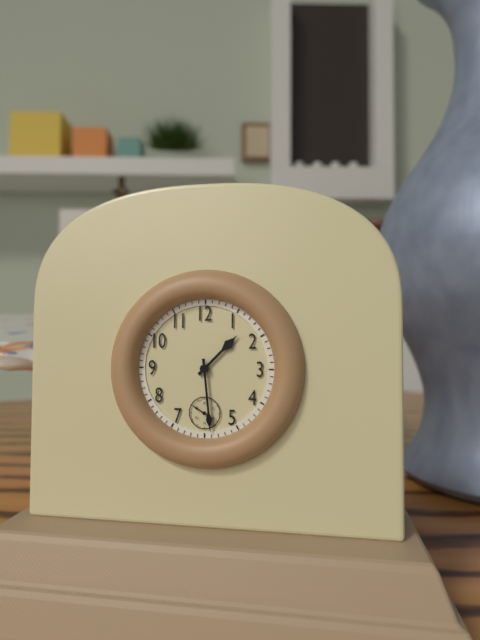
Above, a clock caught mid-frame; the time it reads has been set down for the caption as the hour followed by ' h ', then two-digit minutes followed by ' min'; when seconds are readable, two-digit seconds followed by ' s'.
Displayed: 1 h 29 min
